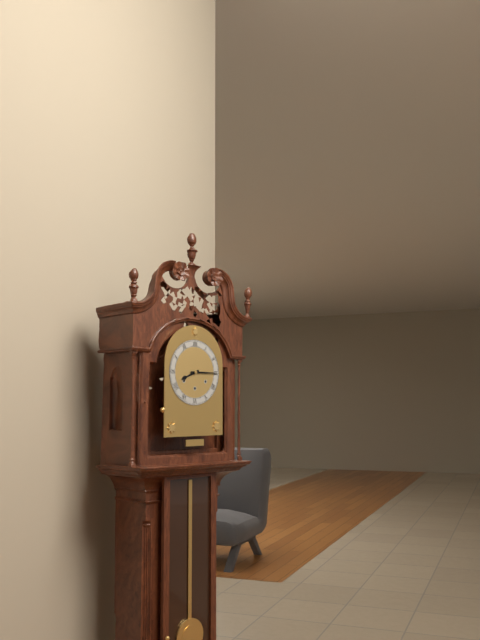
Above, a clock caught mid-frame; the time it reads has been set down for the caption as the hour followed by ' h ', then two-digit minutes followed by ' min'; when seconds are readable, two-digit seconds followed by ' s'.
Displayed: 8 h 15 min
